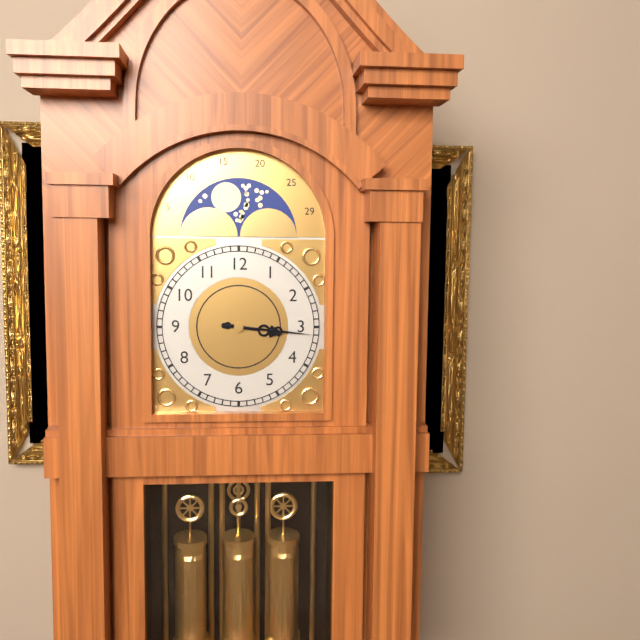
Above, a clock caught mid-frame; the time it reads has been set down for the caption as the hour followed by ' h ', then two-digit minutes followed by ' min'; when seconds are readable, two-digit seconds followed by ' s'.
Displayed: 3 h 16 min
